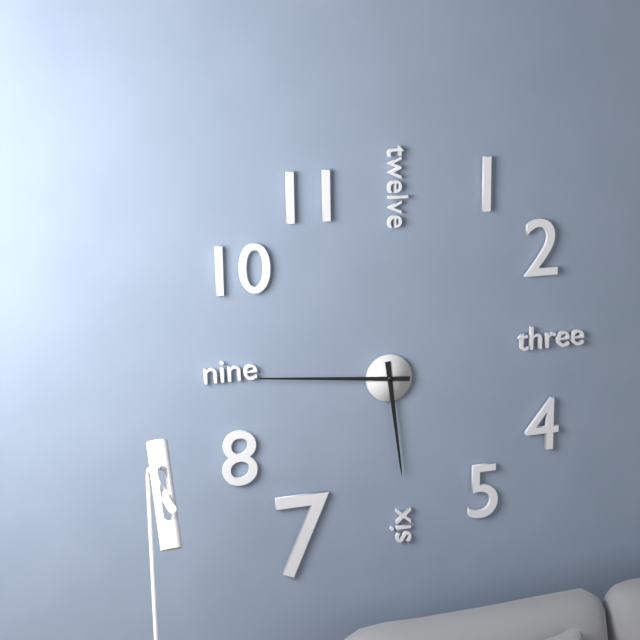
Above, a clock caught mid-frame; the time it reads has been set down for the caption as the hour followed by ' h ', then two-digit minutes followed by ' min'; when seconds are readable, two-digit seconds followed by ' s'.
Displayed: 5 h 46 min
